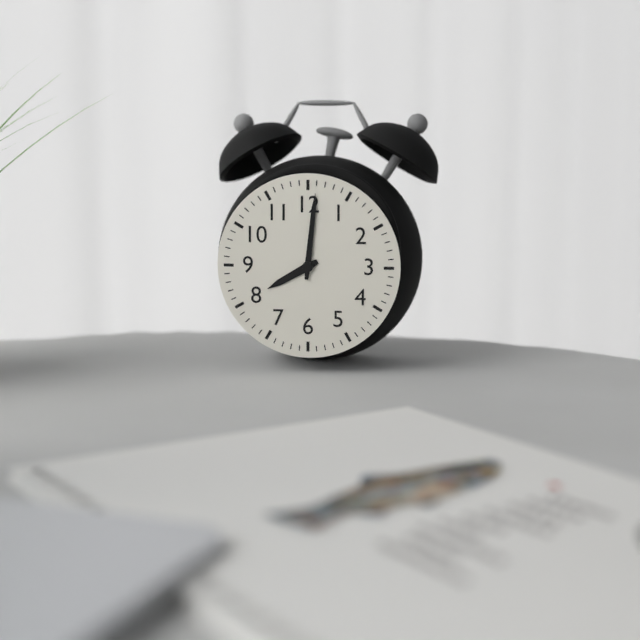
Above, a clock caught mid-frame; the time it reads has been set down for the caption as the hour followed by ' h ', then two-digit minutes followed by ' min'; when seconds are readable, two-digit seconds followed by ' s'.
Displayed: 8 h 01 min
